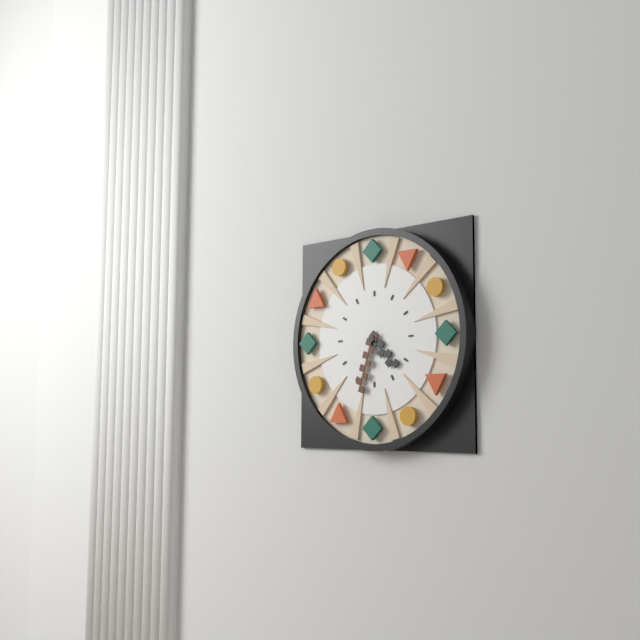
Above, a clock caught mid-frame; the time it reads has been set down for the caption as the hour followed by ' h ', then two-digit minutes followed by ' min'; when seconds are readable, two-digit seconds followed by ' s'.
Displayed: 4 h 33 min
